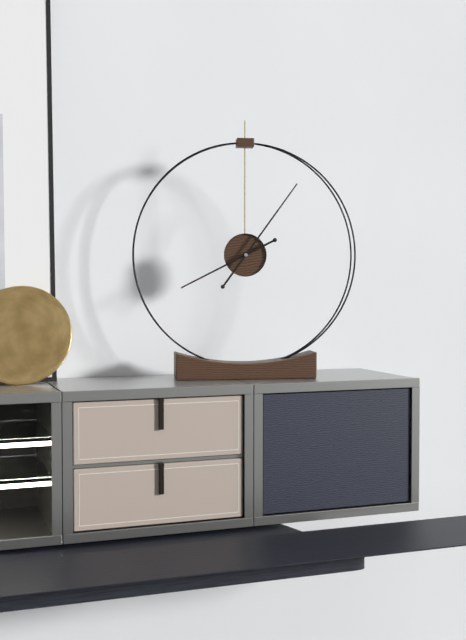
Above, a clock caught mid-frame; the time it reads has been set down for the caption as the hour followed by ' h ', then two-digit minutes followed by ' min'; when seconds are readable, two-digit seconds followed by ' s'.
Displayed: 8 h 06 min
